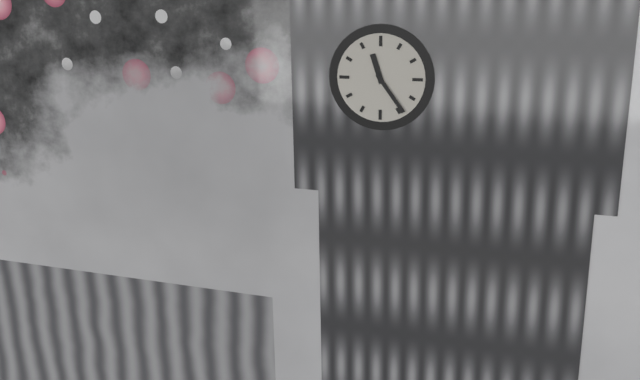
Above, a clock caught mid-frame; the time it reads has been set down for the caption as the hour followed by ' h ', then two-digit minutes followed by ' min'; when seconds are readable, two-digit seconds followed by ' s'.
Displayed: 11 h 24 min
